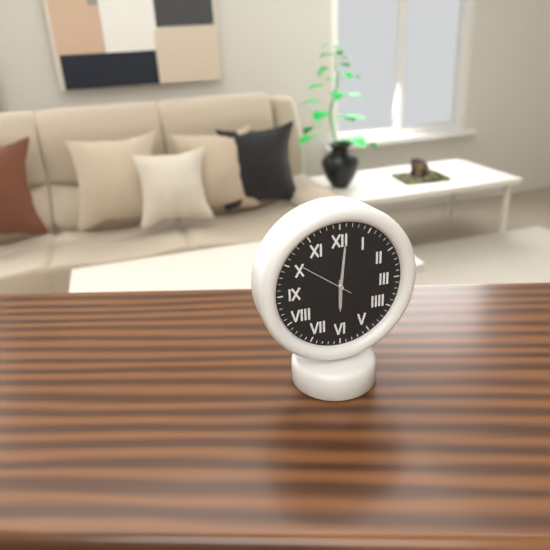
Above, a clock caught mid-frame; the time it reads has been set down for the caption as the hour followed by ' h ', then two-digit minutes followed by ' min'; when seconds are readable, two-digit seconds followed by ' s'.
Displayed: 6 h 01 min 51 s
